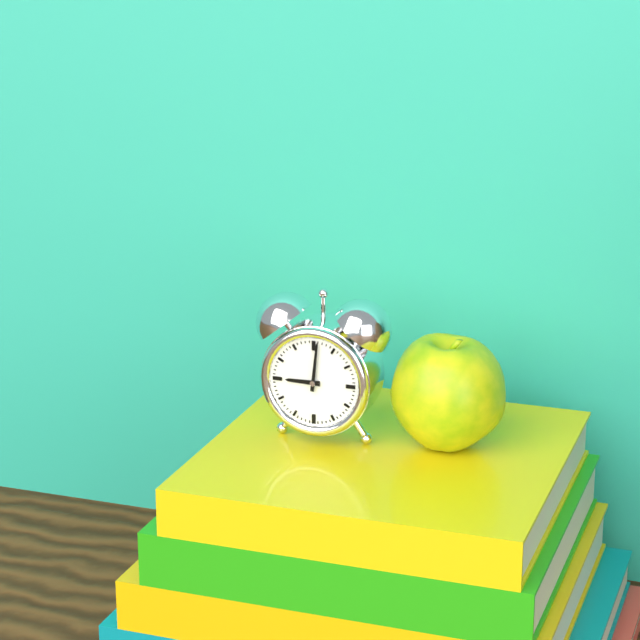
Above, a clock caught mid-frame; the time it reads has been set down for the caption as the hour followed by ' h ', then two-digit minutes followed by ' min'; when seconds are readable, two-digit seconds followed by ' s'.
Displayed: 9 h 01 min
